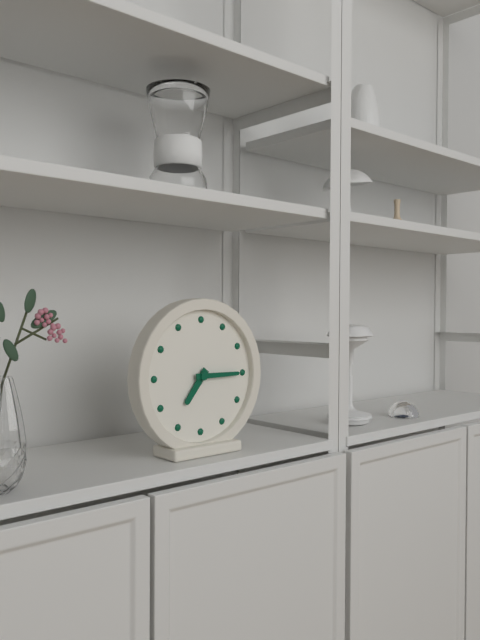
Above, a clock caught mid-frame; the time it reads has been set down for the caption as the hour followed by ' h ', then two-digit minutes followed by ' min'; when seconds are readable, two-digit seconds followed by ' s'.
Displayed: 7 h 15 min
